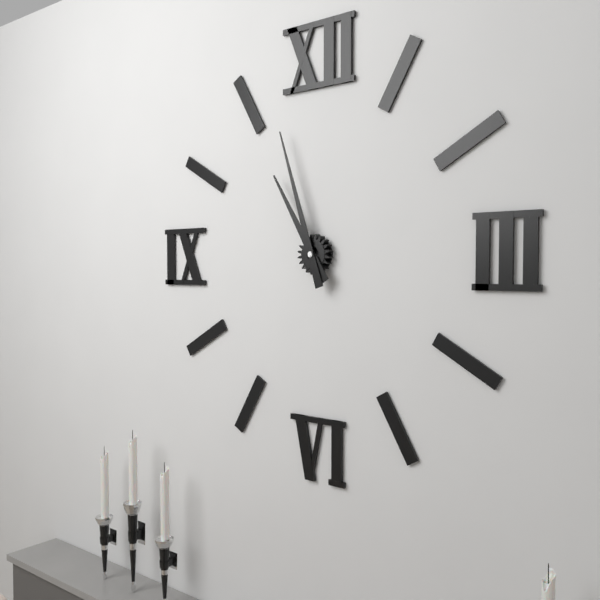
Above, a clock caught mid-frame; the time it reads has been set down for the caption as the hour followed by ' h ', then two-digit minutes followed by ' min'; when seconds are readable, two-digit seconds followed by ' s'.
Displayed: 10 h 57 min
